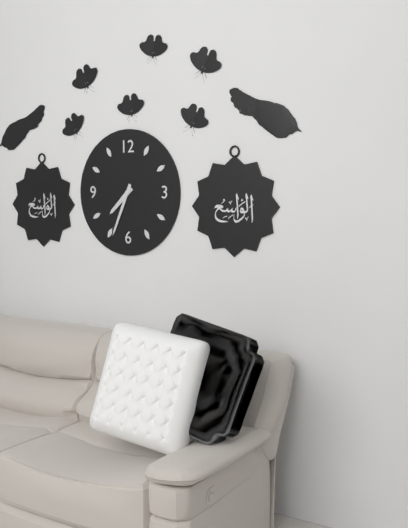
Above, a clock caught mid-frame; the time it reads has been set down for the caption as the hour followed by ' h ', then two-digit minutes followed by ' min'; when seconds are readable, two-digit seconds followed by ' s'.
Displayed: 7 h 34 min
